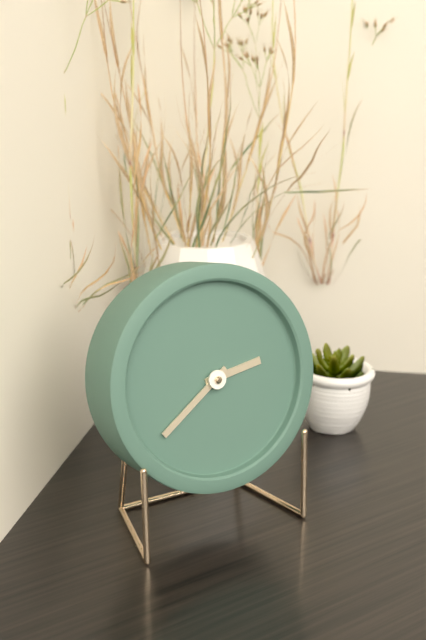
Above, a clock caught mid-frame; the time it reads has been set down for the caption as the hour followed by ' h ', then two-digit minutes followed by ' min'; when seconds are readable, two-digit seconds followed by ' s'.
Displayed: 2 h 39 min
